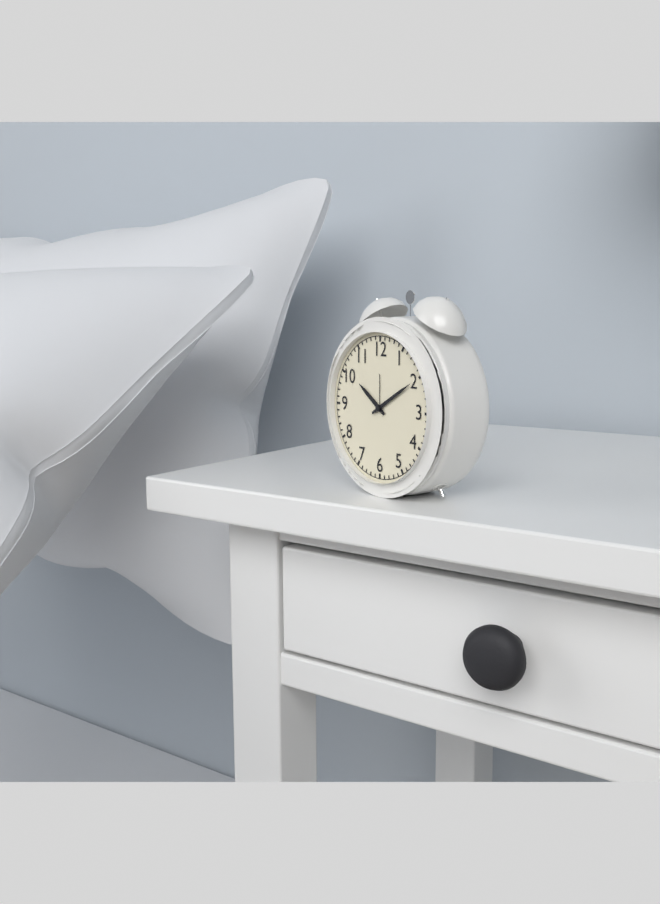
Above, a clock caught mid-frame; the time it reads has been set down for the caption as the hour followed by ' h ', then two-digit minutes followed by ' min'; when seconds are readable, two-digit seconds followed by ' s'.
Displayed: 10 h 10 min
